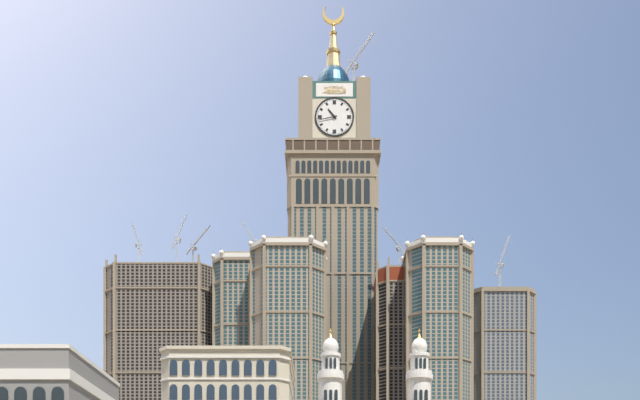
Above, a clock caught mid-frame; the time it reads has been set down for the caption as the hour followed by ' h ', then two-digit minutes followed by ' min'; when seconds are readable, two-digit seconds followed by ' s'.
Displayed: 10 h 43 min
